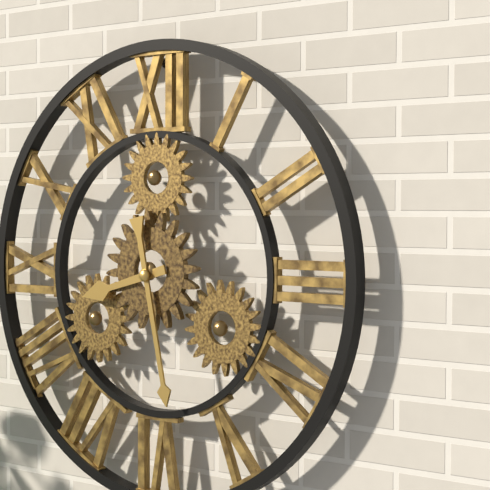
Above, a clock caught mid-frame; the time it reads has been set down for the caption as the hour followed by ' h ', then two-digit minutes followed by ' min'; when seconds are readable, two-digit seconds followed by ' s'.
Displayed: 8 h 28 min
